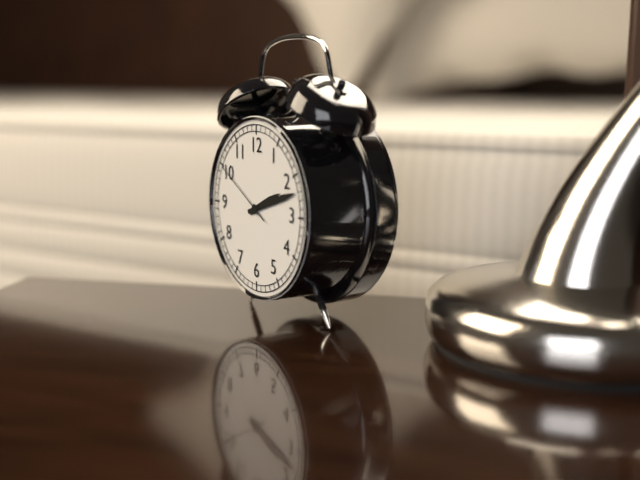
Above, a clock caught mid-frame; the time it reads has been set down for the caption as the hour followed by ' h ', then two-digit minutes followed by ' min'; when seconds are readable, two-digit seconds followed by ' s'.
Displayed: 2 h 12 min 50 s
